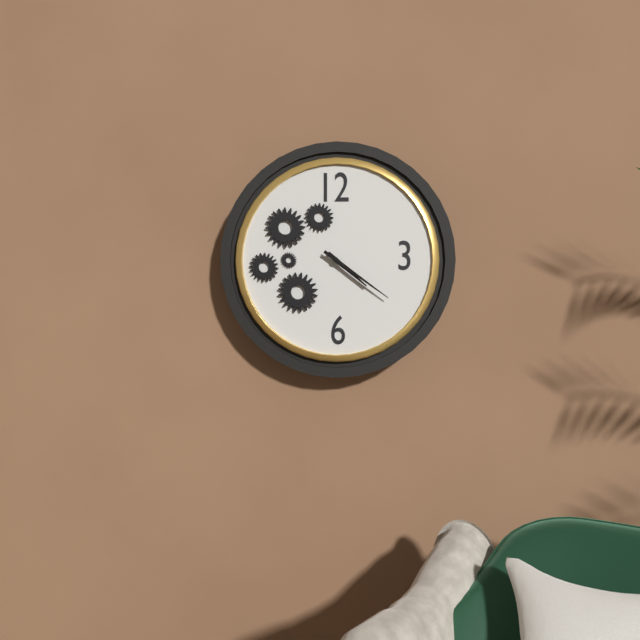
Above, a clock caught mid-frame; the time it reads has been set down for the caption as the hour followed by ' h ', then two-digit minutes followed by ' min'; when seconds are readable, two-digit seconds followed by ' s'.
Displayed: 4 h 21 min
